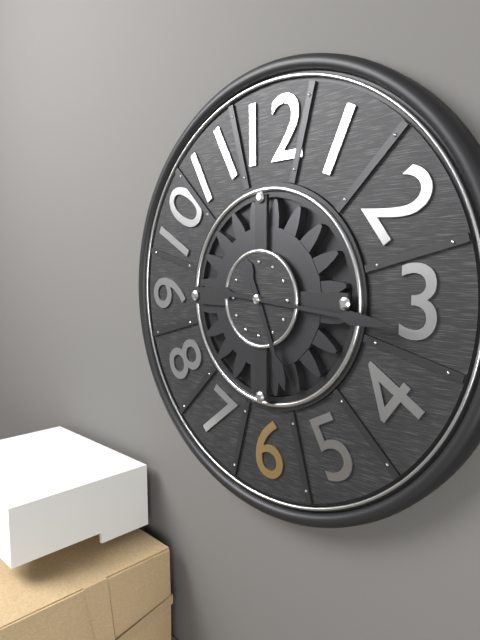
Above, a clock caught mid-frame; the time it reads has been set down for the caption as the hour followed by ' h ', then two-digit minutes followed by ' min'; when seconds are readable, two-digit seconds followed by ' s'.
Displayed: 5 h 16 min
